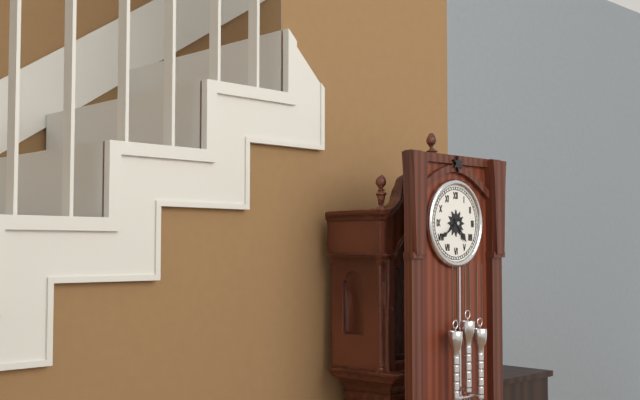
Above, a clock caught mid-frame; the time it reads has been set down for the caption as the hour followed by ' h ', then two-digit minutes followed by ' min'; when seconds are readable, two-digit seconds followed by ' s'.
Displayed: 4 h 40 min
